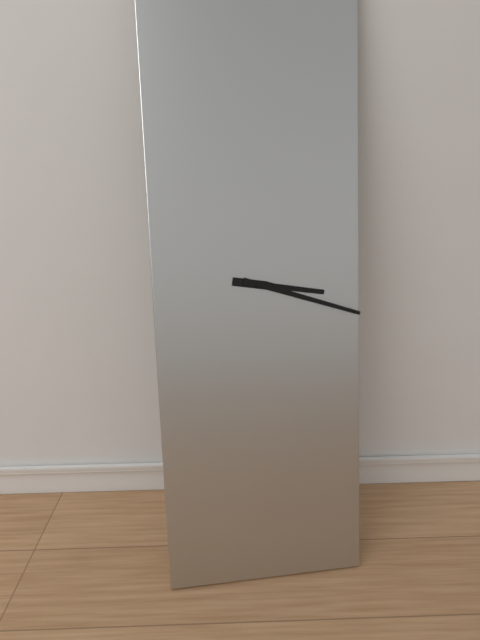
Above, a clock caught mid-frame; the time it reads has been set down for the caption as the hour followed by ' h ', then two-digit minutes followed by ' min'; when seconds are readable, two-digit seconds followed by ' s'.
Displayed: 3 h 18 min
